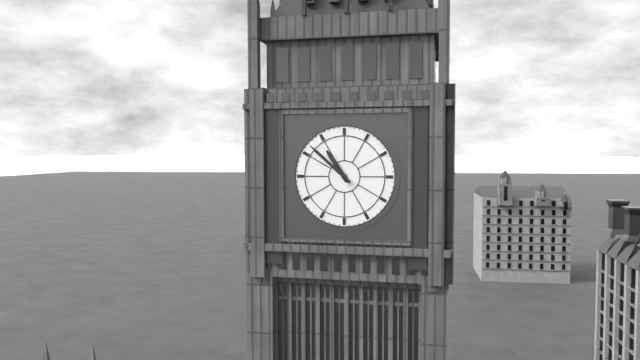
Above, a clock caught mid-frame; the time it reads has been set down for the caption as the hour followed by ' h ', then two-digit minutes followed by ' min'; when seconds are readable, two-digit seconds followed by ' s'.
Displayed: 10 h 52 min
